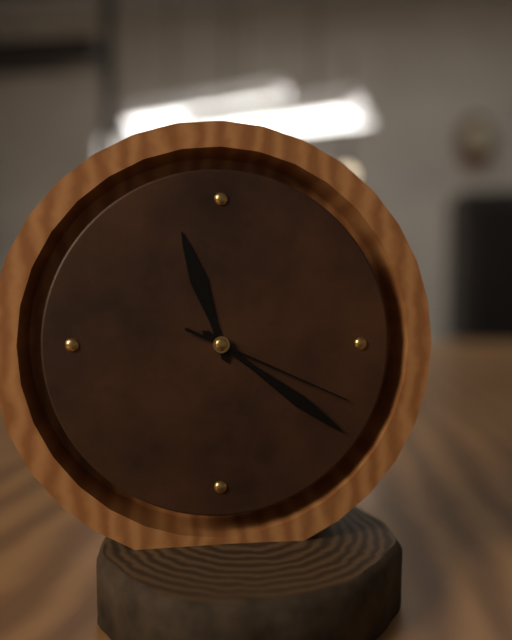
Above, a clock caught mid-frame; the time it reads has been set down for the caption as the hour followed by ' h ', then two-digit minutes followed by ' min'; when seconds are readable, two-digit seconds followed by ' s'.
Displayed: 11 h 21 min 19 s
